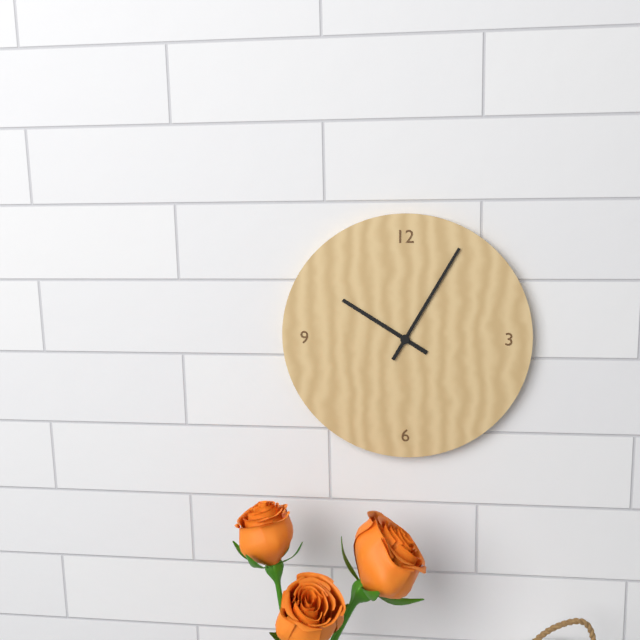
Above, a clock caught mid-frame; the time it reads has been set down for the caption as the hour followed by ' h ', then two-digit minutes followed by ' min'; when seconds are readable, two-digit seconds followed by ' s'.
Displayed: 10 h 05 min
